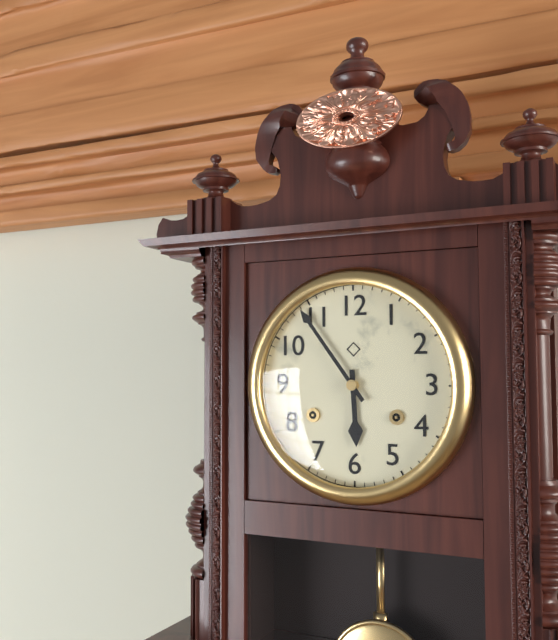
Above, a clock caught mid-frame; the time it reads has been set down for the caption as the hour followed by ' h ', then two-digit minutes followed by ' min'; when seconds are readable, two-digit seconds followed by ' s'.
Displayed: 5 h 54 min
